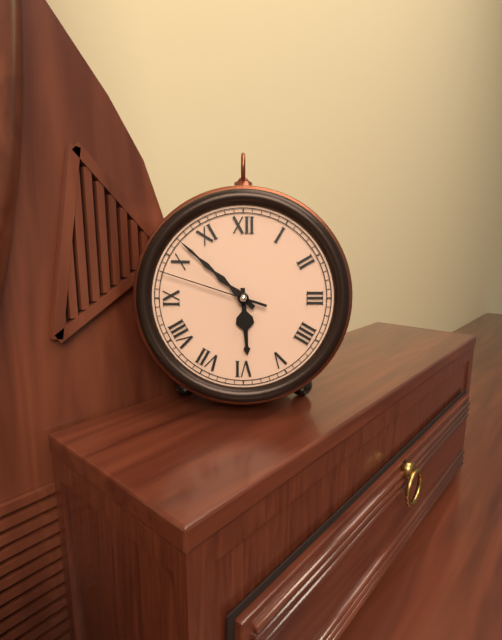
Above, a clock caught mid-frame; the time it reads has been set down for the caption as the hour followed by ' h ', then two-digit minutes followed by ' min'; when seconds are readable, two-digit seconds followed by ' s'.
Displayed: 5 h 52 min 48 s
